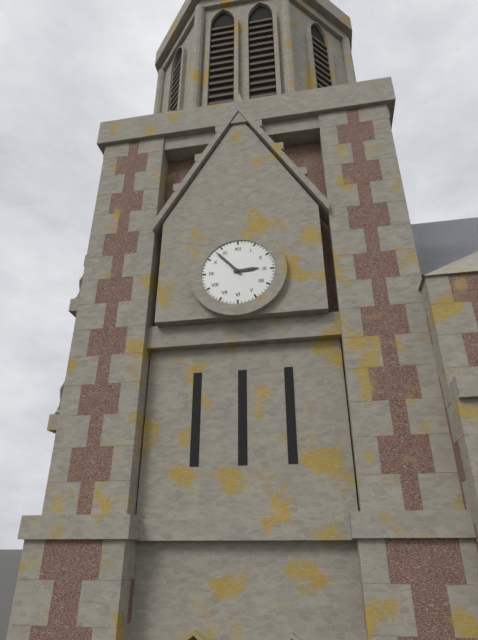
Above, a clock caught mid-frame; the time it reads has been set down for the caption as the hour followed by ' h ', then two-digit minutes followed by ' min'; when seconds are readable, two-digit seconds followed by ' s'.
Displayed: 2 h 53 min
